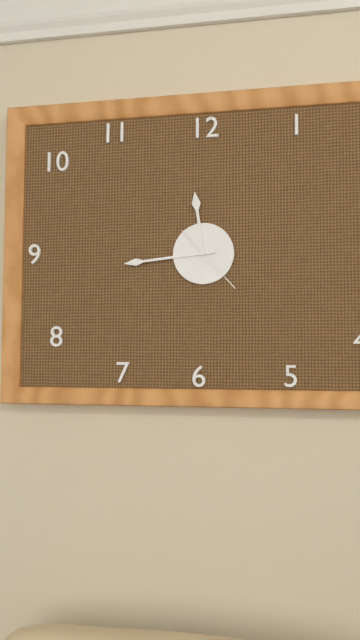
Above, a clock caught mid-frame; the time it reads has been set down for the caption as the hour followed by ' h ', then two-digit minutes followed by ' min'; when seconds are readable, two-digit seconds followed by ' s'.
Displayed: 11 h 44 min 23 s
